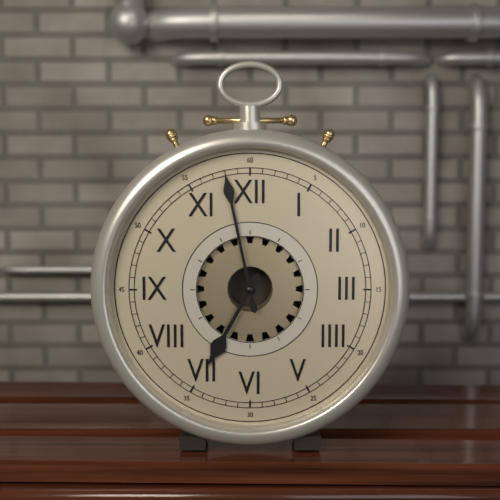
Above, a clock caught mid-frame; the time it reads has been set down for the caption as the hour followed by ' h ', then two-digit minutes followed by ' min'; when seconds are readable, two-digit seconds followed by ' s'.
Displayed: 6 h 58 min
